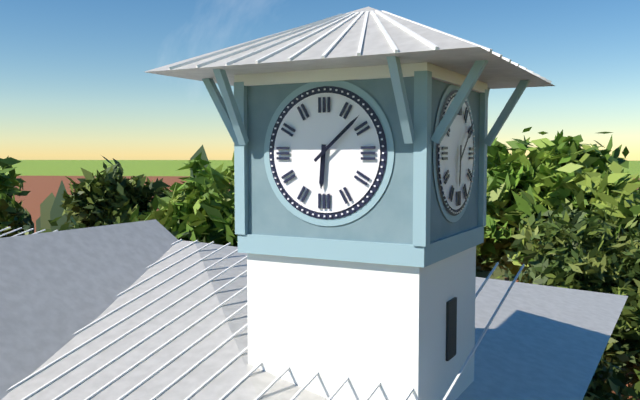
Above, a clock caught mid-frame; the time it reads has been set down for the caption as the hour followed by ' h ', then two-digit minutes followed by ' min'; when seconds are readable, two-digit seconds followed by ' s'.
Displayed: 6 h 08 min
